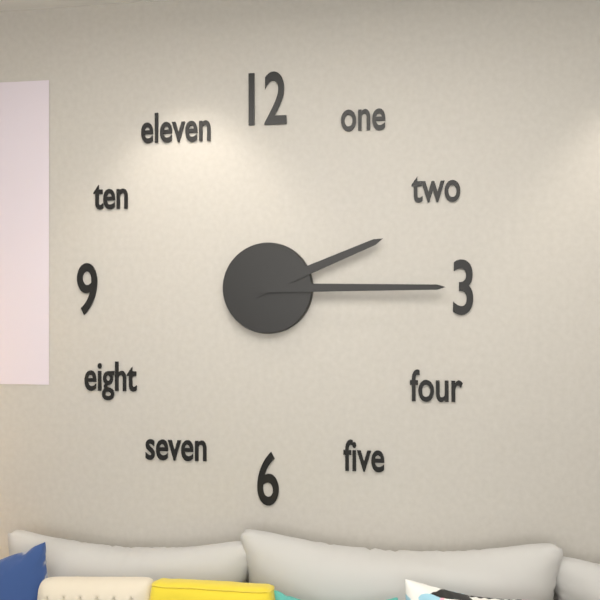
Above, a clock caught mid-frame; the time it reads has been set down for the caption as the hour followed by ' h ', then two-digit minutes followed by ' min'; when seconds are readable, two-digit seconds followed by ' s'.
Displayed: 2 h 15 min
